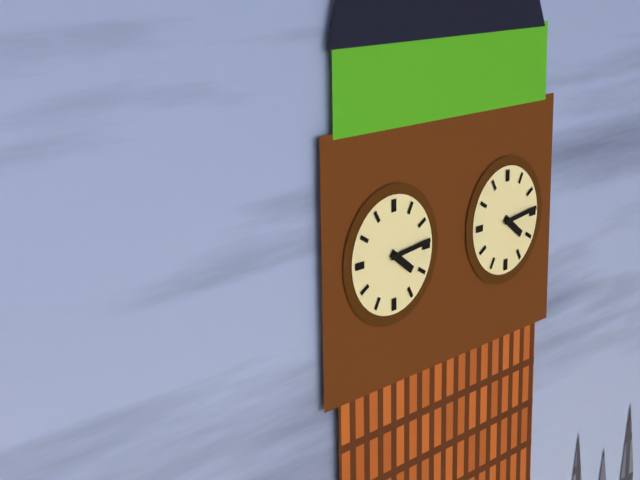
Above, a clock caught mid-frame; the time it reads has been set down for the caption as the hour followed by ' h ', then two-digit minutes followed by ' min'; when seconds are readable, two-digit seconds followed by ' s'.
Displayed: 4 h 14 min
